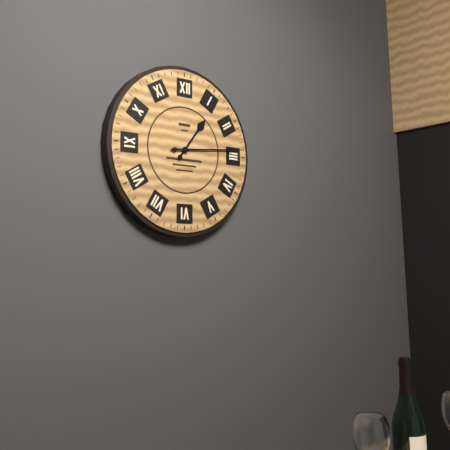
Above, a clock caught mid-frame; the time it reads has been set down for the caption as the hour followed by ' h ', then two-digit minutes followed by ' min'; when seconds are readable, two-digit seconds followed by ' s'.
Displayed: 1 h 14 min
